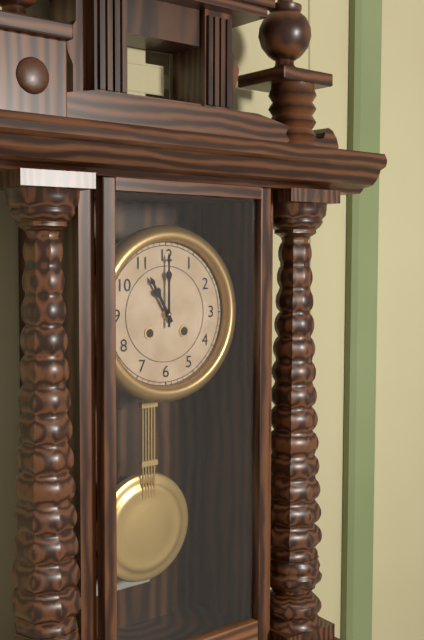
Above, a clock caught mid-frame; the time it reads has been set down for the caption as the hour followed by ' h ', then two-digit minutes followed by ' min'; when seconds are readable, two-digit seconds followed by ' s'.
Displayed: 11 h 00 min
